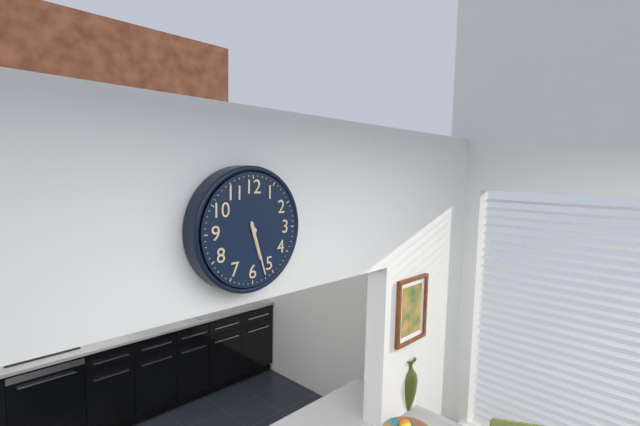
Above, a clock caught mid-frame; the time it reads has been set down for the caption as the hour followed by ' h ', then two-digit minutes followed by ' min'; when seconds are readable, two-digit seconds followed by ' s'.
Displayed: 5 h 27 min
